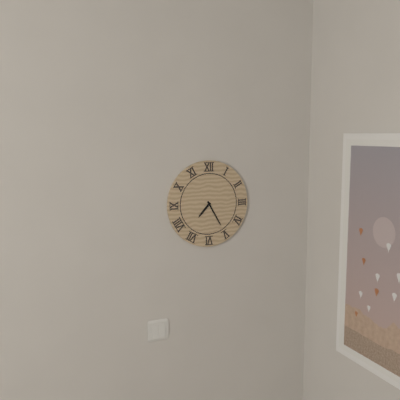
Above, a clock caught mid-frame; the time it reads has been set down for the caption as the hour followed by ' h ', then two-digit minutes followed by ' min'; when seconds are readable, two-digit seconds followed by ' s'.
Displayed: 7 h 25 min
